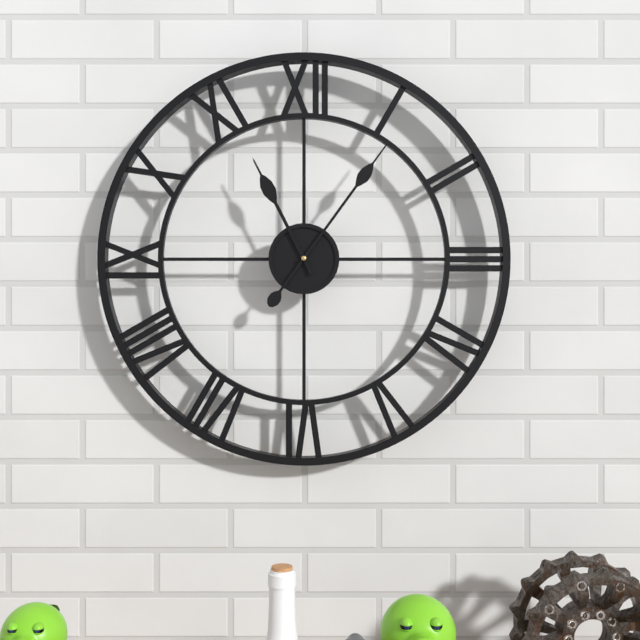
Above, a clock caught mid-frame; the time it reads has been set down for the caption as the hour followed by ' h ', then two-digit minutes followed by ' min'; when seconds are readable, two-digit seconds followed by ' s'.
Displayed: 11 h 06 min
